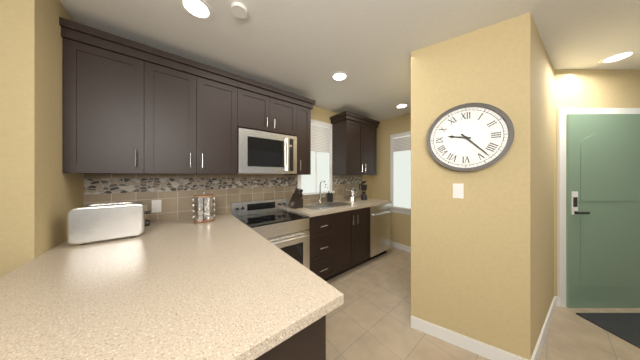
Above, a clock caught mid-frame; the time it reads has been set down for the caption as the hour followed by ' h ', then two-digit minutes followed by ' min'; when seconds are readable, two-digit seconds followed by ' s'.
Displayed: 9 h 23 min
